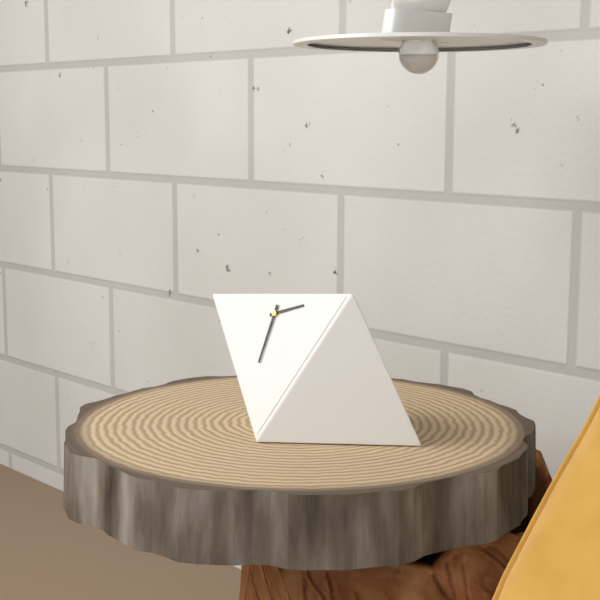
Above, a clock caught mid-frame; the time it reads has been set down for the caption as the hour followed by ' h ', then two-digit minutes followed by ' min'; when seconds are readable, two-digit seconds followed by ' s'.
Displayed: 2 h 32 min
